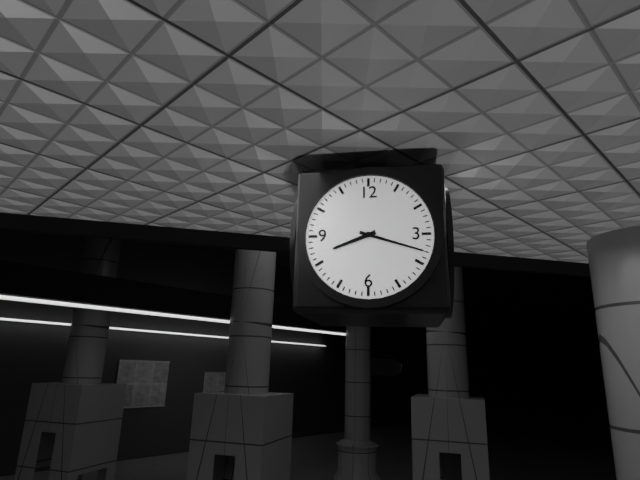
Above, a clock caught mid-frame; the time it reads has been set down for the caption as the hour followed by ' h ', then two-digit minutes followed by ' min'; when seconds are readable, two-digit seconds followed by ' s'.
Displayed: 8 h 18 min
